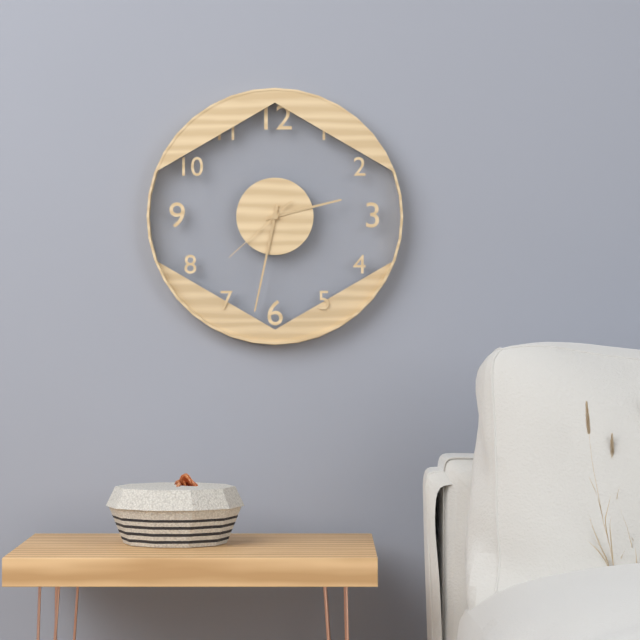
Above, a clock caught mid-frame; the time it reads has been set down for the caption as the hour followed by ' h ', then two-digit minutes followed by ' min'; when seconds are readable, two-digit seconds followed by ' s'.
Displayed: 2 h 32 min 38 s
